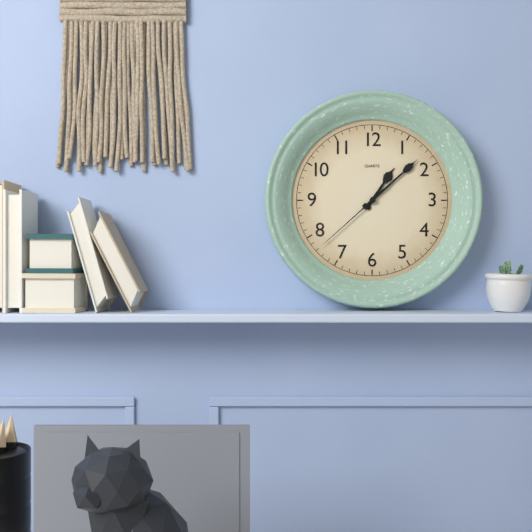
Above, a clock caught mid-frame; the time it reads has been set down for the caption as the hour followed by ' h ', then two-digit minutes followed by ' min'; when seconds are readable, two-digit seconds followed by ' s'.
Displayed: 1 h 08 min 38 s
